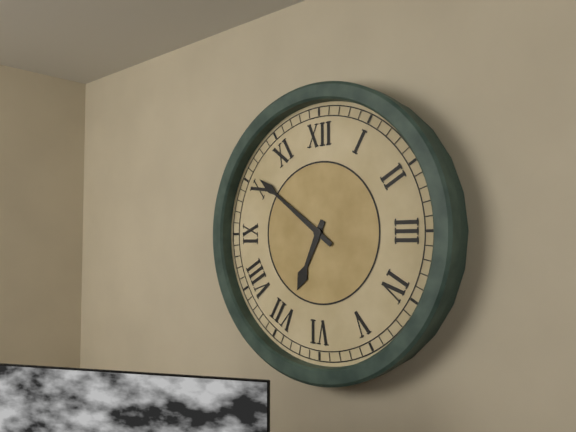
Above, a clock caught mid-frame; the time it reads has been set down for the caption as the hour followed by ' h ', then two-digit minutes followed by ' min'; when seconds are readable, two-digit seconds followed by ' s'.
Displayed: 6 h 51 min
